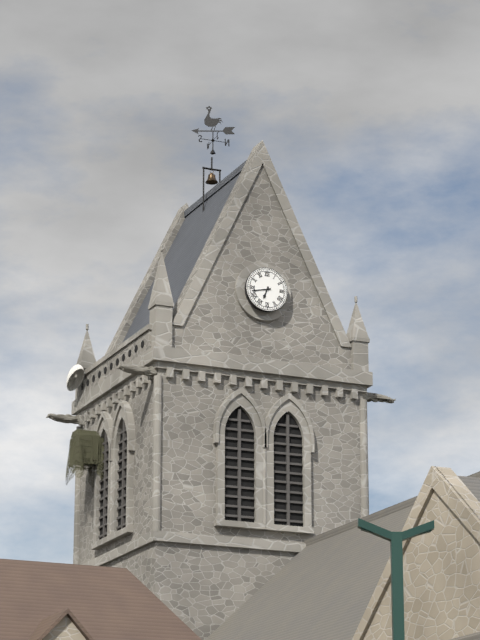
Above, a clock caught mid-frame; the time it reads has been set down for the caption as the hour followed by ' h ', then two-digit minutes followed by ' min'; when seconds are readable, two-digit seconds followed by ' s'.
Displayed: 6 h 43 min
